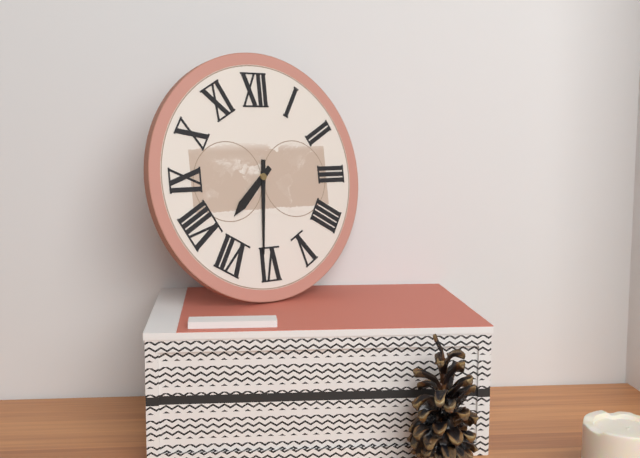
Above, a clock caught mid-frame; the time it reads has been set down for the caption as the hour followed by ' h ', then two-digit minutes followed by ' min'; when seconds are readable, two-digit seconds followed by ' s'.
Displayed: 7 h 31 min
